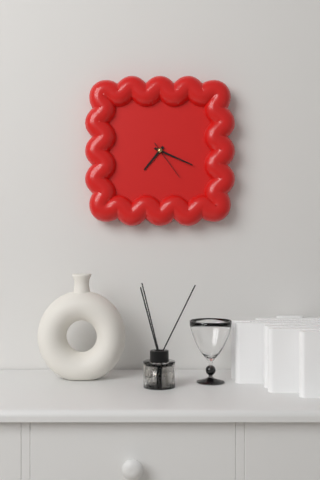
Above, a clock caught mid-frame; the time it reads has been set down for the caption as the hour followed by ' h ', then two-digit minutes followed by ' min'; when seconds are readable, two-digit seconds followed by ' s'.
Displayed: 7 h 19 min
